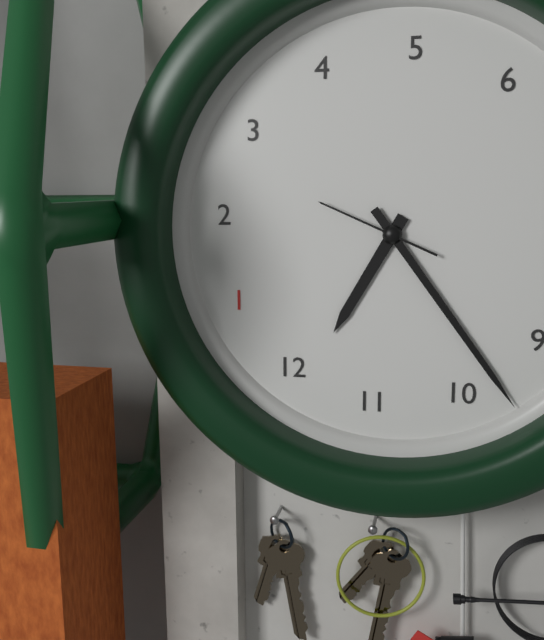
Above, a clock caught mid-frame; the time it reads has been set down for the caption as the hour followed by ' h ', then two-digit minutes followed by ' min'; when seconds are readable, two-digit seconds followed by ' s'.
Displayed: 11 h 48 min 13 s
